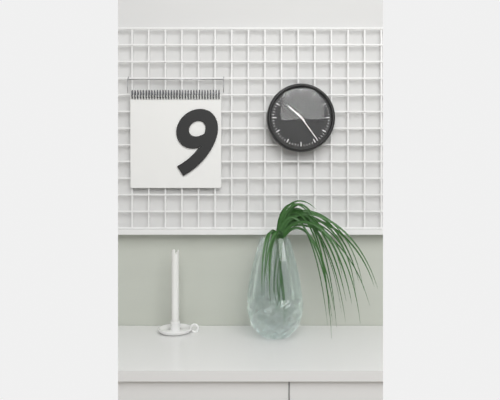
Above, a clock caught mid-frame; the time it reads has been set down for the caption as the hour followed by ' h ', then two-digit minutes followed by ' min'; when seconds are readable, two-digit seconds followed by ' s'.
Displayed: 10 h 24 min
